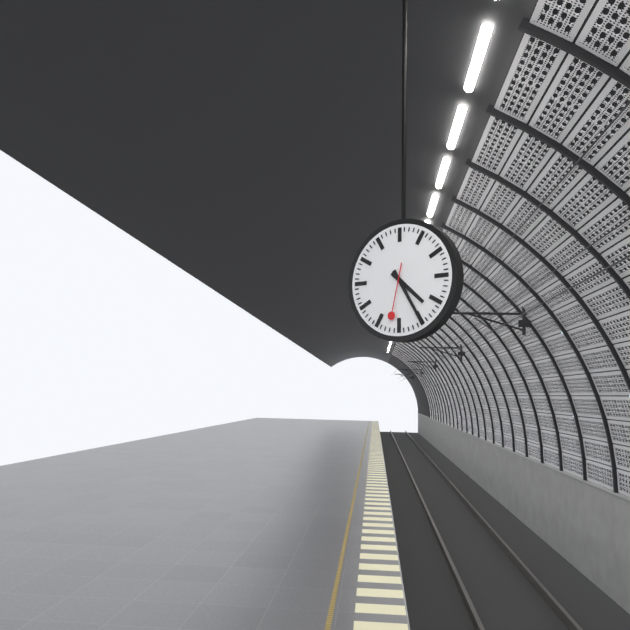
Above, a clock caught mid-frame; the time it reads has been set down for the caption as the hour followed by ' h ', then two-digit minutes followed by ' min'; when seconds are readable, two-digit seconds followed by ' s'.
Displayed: 4 h 25 min 32 s
